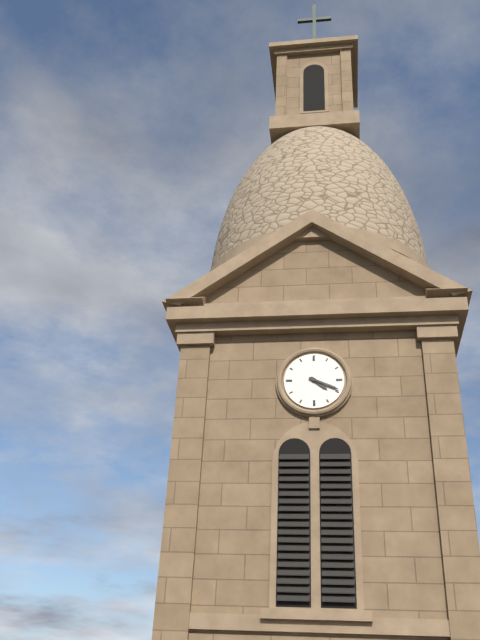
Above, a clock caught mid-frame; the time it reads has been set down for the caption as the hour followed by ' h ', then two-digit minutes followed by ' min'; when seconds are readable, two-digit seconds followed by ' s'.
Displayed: 4 h 19 min
